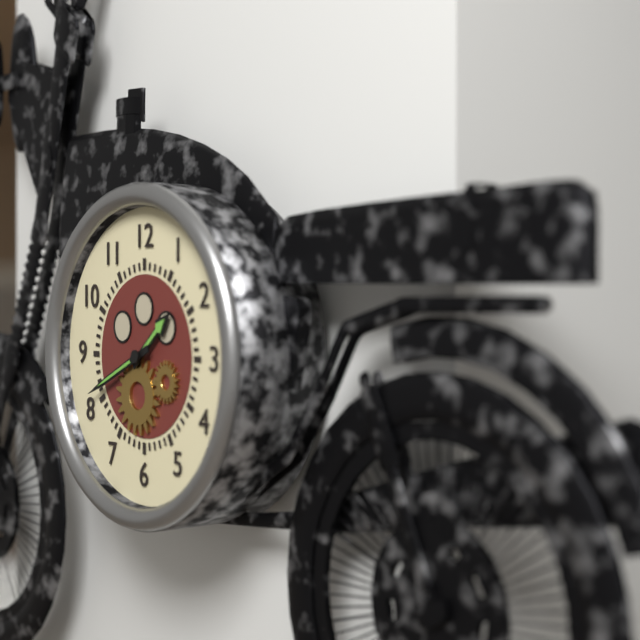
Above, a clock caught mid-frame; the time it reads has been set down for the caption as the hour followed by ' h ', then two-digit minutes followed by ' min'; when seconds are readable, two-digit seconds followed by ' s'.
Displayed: 1 h 41 min
